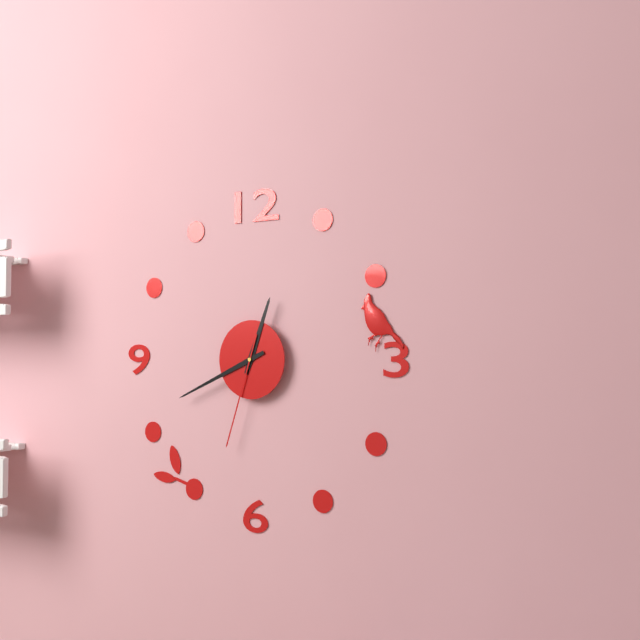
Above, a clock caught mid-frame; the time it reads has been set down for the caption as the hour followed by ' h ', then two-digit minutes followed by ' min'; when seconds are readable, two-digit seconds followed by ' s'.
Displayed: 12 h 41 min 33 s
